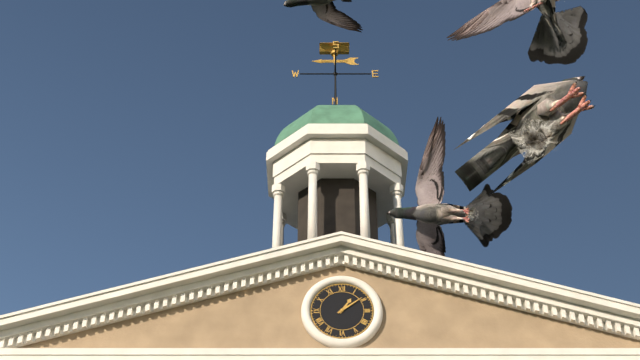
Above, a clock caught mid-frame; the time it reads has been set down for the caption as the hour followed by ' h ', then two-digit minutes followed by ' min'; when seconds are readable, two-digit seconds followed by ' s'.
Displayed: 1 h 09 min
